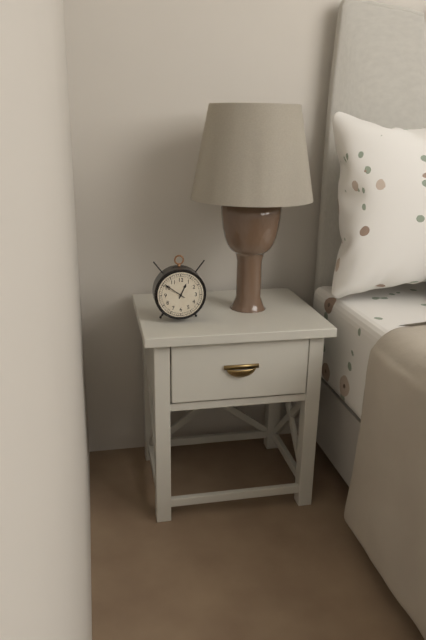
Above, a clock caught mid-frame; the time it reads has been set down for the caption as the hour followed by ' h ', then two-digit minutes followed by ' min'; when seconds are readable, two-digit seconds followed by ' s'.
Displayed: 12 h 51 min
